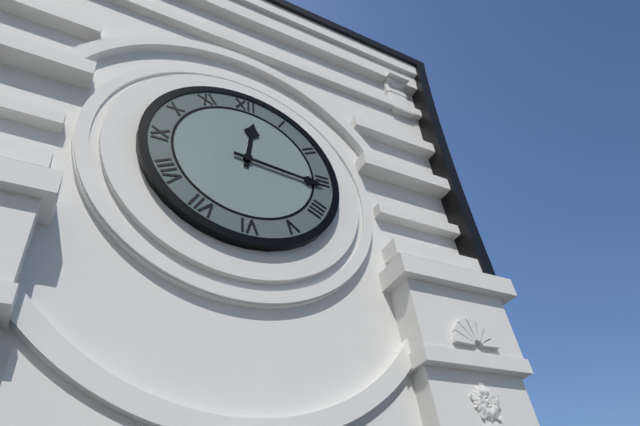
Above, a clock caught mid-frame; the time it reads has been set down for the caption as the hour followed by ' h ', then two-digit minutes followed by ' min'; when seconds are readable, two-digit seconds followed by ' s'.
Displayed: 12 h 16 min
